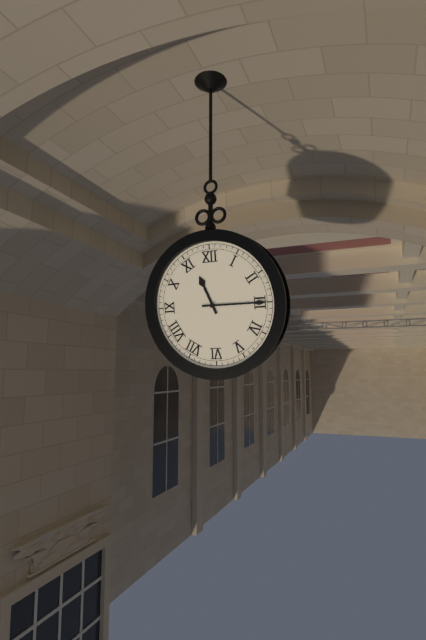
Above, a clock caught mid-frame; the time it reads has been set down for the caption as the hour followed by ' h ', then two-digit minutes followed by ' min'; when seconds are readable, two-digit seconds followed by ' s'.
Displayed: 11 h 15 min
